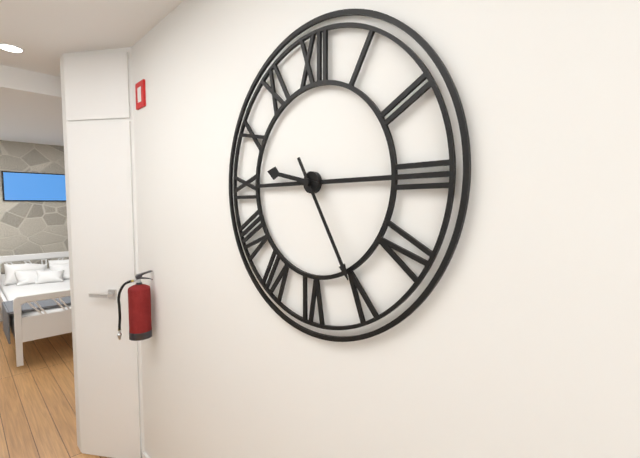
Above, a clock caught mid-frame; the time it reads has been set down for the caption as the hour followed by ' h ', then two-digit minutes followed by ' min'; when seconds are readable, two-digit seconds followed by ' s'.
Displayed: 9 h 25 min
